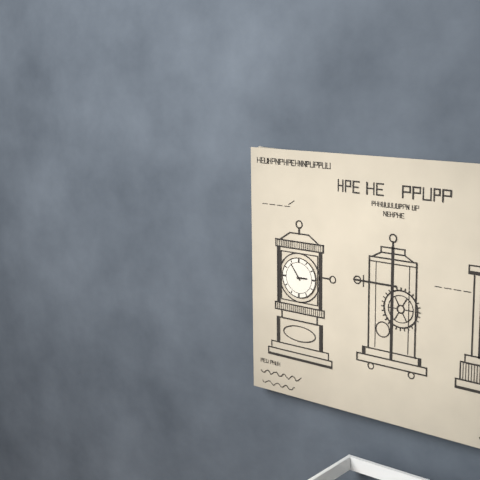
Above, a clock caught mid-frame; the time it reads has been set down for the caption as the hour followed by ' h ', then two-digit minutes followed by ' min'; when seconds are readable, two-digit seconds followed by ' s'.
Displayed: 2 h 54 min
